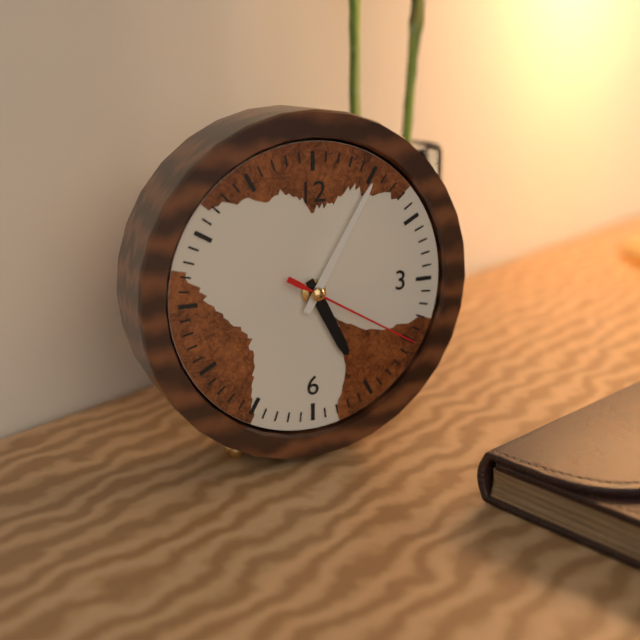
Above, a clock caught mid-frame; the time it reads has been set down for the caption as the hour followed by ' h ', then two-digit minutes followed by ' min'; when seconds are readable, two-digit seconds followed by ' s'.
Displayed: 5 h 05 min 20 s
